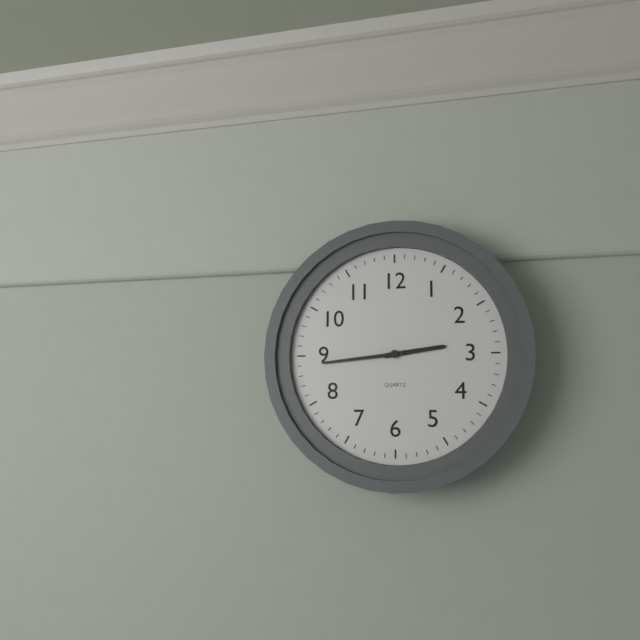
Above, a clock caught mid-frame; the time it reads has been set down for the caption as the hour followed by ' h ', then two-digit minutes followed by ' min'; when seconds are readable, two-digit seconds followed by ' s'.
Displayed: 2 h 44 min
